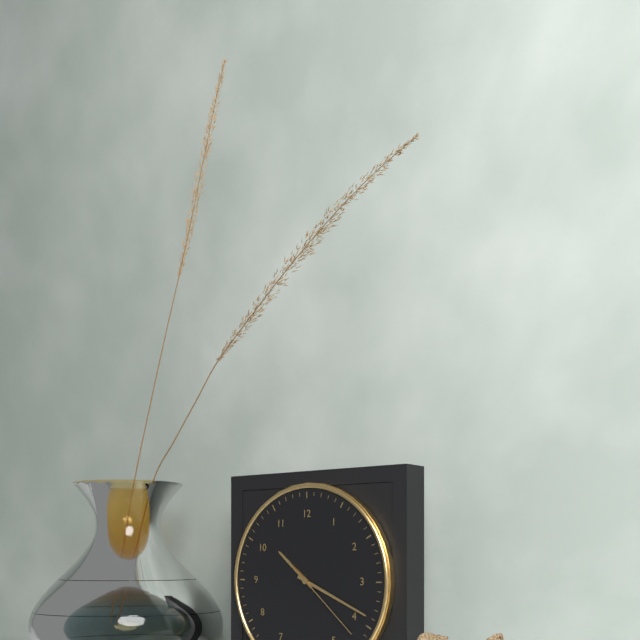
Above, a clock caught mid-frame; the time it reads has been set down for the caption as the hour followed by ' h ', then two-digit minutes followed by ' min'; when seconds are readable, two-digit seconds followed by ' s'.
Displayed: 10 h 19 min 22 s
